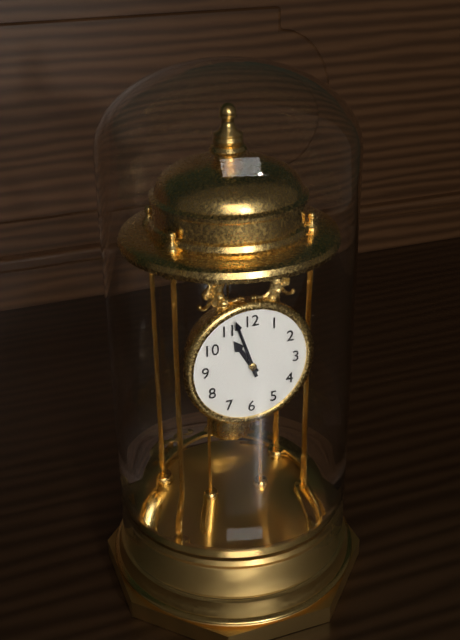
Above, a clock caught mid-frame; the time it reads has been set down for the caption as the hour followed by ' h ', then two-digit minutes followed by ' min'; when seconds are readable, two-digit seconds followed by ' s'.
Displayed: 10 h 57 min
